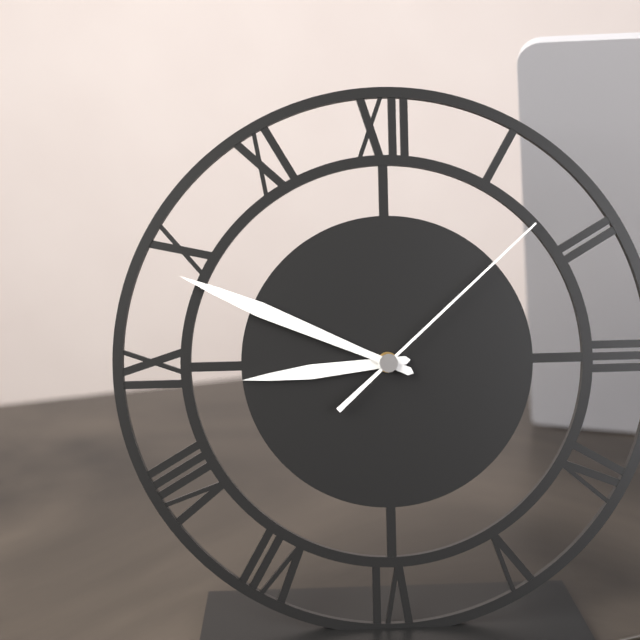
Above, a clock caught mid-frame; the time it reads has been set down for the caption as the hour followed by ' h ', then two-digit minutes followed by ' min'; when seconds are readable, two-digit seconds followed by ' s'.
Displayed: 8 h 49 min 08 s
